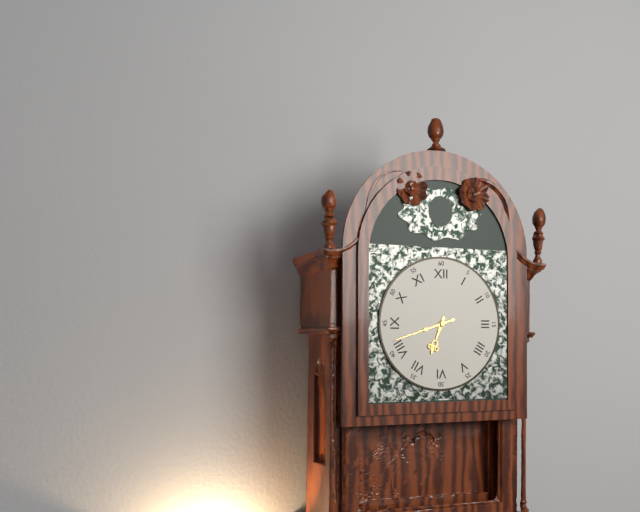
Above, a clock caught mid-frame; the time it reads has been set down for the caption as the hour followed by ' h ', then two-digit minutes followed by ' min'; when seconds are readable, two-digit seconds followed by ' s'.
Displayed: 6 h 42 min
